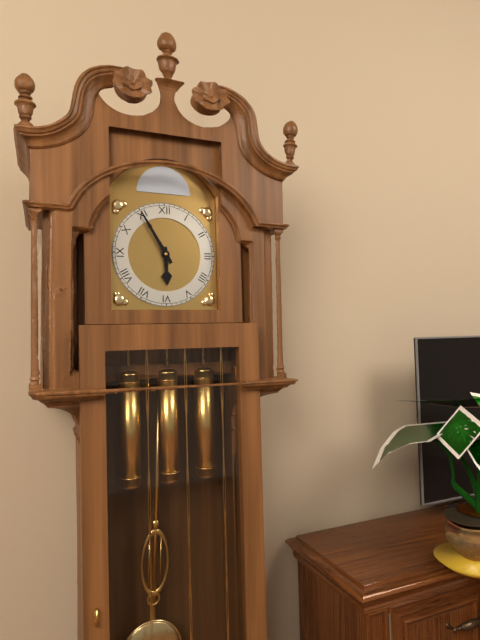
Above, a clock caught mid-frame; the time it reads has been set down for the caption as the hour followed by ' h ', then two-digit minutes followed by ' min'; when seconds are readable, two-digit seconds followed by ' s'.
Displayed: 5 h 55 min
